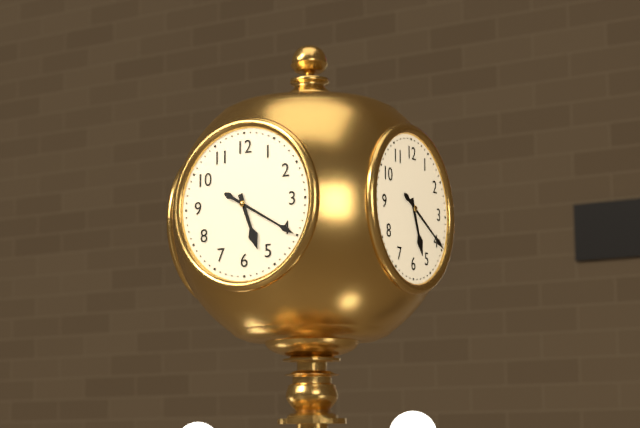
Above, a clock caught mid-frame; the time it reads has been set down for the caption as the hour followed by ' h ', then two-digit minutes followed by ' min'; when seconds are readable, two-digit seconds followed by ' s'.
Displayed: 5 h 20 min
